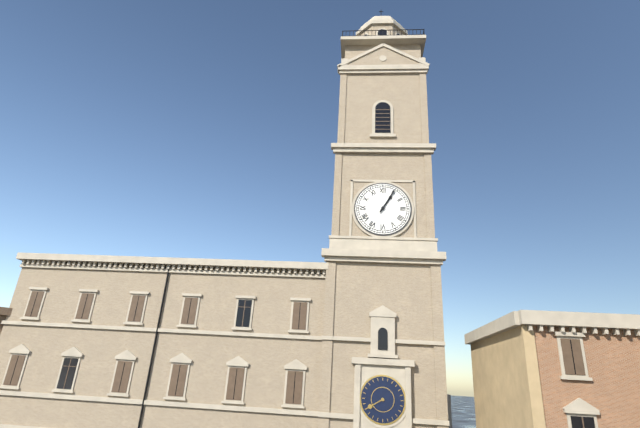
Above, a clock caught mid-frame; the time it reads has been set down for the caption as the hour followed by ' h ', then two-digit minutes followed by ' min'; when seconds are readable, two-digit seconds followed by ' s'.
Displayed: 1 h 05 min
